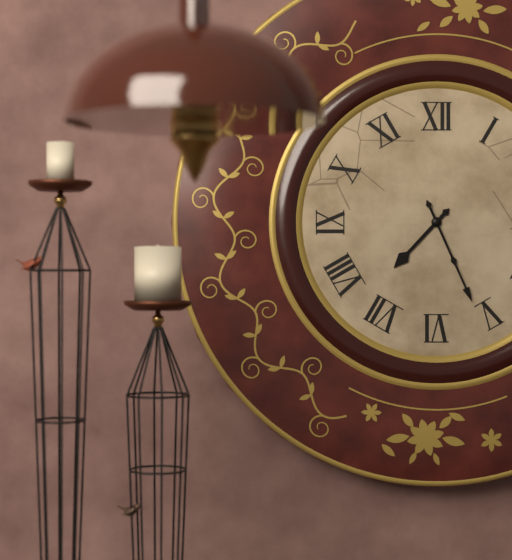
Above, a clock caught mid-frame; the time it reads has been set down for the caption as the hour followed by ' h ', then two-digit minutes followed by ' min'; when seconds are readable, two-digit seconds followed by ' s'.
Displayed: 7 h 26 min
